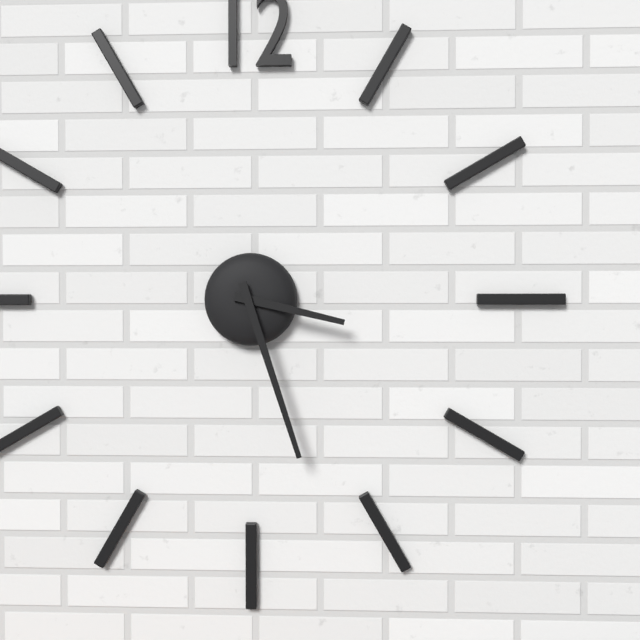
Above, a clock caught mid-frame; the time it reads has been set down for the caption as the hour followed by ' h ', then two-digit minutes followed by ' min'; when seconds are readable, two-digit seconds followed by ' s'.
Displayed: 3 h 27 min
